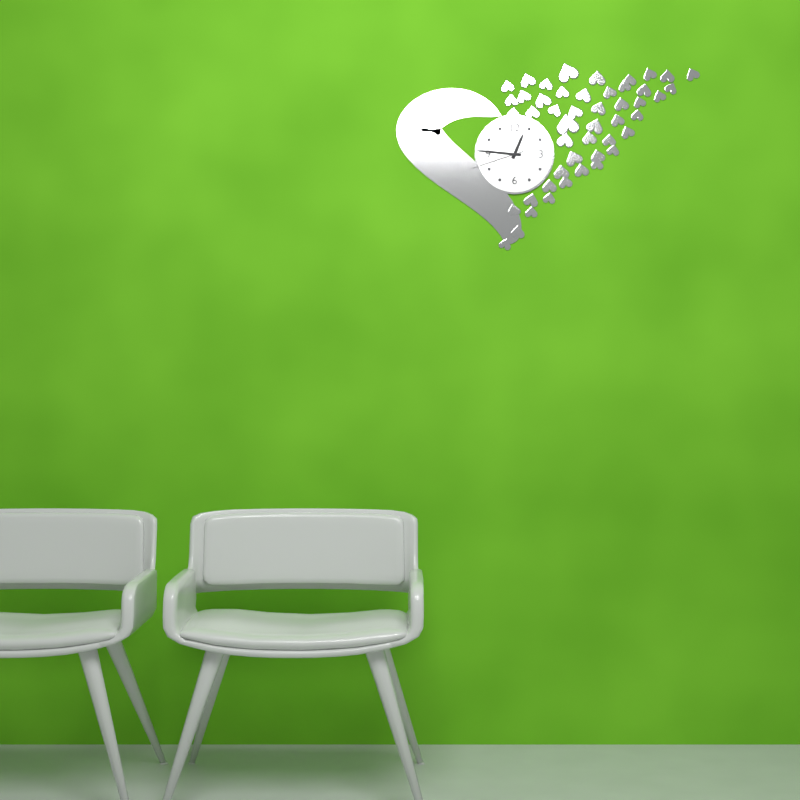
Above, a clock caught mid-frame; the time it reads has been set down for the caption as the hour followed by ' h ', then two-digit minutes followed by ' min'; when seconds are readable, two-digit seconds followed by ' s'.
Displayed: 12 h 46 min 42 s
